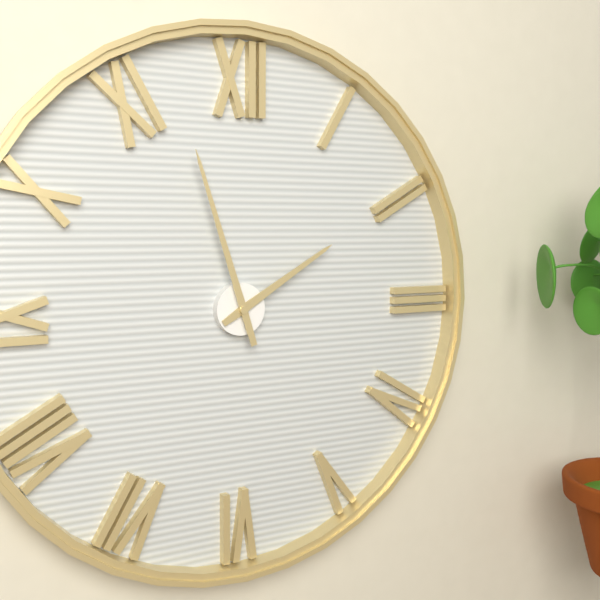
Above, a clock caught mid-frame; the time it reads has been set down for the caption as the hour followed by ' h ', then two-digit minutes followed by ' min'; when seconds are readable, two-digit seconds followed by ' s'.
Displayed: 1 h 57 min
